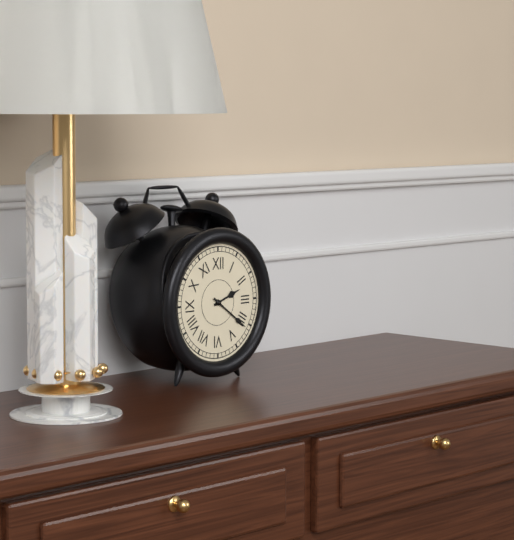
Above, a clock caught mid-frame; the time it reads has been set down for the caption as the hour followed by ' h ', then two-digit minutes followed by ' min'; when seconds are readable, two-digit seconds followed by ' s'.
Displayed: 2 h 21 min
